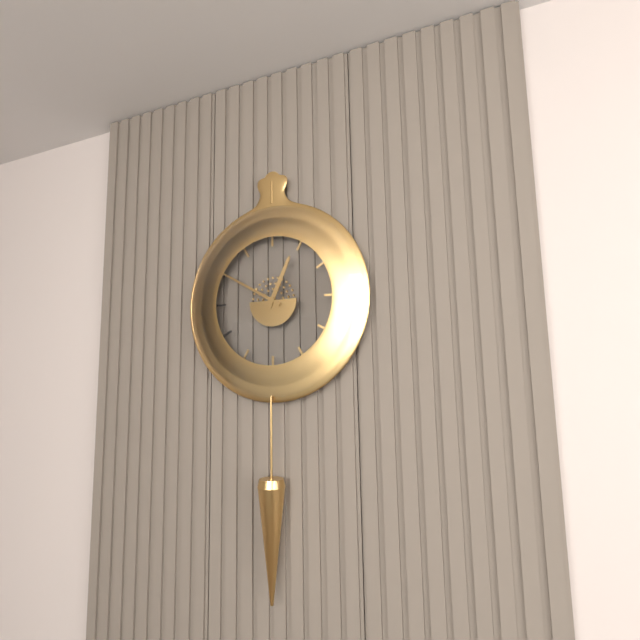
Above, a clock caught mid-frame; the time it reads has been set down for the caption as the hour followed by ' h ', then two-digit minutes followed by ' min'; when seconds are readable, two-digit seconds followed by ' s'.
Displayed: 12 h 50 min
